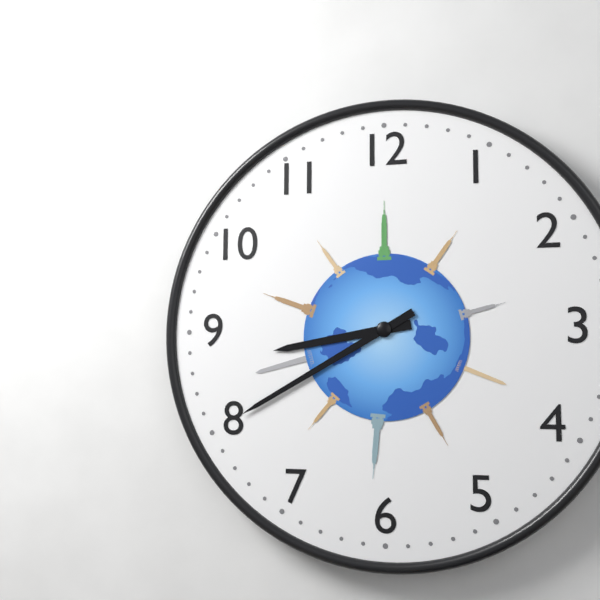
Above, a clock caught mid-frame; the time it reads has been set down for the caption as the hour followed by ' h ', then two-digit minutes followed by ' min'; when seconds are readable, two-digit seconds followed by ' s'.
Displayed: 8 h 40 min
